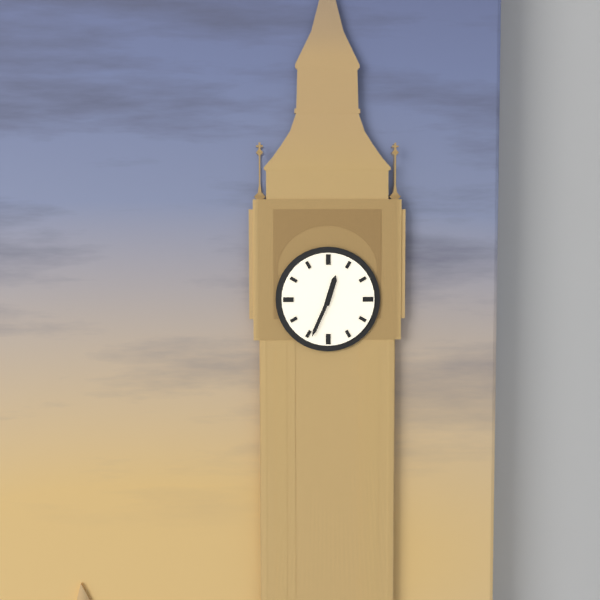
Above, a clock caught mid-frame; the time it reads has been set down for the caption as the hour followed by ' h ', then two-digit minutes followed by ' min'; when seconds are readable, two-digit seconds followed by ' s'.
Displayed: 12 h 34 min
